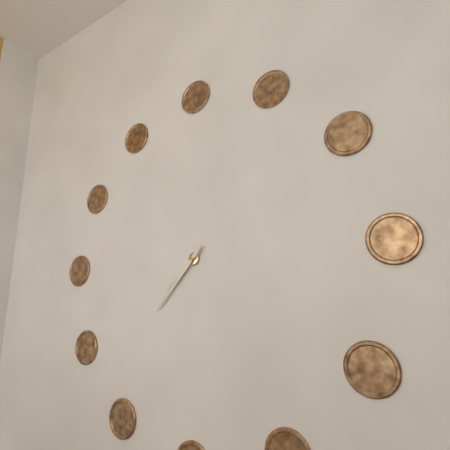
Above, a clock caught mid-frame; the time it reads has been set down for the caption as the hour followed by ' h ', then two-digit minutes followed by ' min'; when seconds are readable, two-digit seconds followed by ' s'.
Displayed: 7 h 37 min
